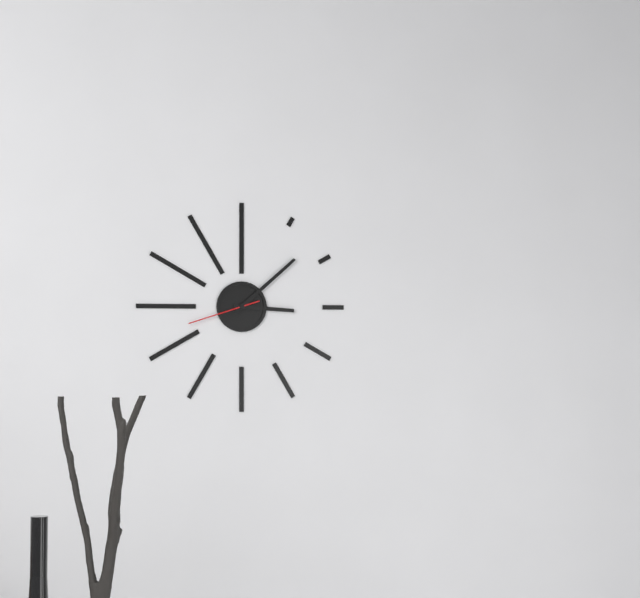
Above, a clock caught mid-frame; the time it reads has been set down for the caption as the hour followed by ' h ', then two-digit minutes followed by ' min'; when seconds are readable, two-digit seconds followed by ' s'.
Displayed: 3 h 08 min 42 s
